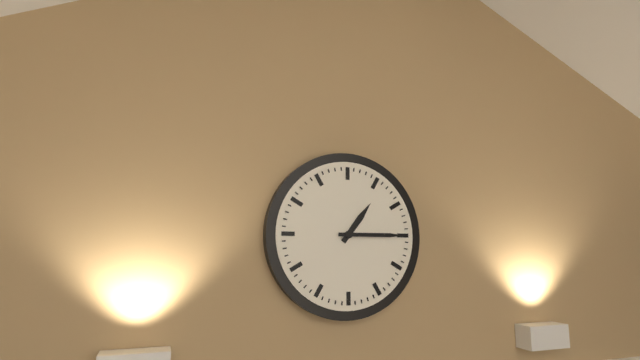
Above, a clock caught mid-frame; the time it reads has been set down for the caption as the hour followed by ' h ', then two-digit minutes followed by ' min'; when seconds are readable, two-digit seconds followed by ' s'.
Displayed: 1 h 15 min
